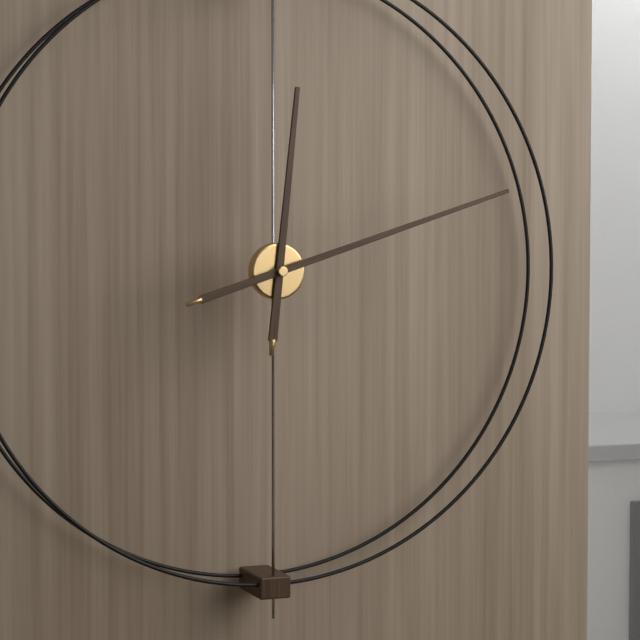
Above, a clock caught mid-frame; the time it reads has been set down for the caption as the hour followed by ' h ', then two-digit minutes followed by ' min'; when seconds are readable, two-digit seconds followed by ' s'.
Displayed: 12 h 12 min
